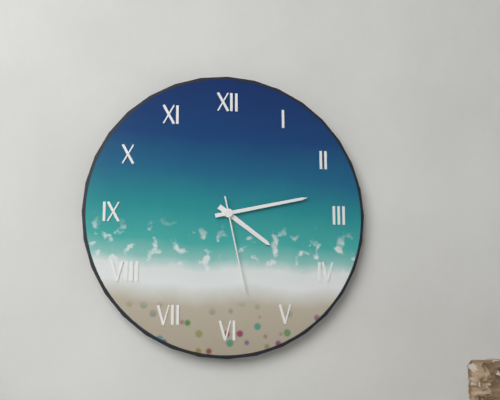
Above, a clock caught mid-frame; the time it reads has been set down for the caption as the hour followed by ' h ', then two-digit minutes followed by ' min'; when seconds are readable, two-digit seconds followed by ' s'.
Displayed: 4 h 13 min 28 s
